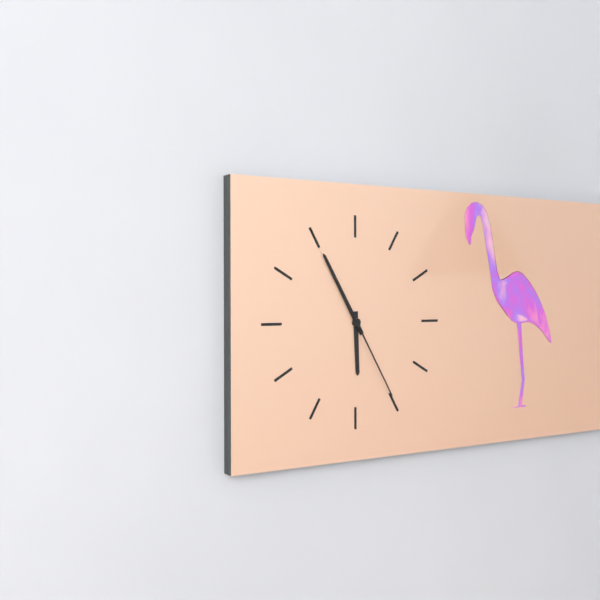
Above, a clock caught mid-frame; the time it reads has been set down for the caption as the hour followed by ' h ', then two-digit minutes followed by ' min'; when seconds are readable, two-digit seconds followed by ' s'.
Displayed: 5 h 55 min 25 s
